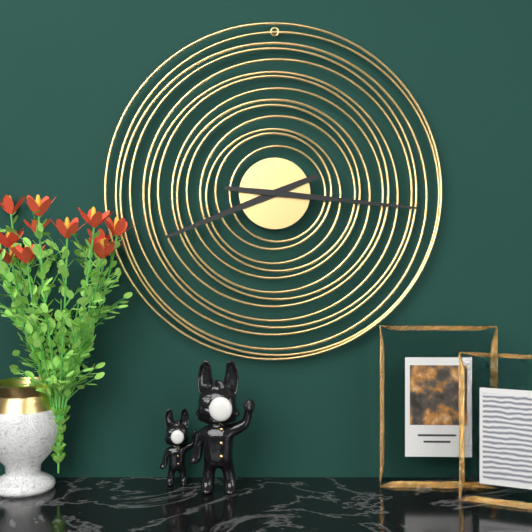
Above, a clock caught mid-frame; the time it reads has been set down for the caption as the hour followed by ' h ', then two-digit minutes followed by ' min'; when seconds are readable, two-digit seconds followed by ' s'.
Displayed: 8 h 16 min
